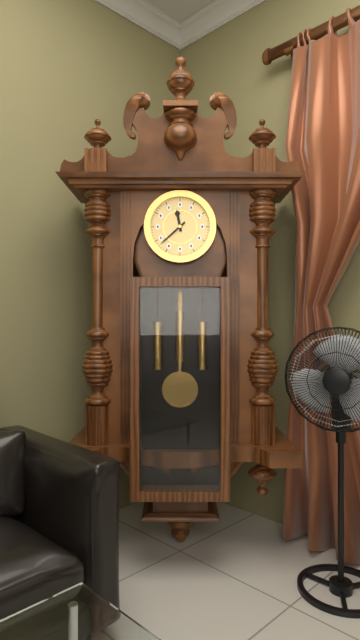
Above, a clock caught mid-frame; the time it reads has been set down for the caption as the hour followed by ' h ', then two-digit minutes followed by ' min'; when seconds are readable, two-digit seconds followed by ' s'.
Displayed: 11 h 38 min
